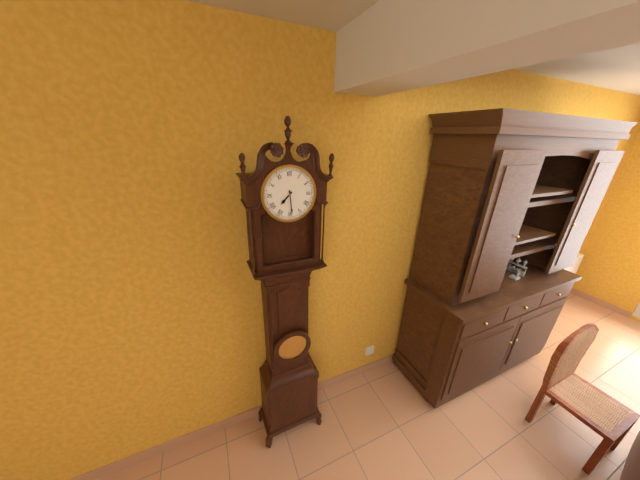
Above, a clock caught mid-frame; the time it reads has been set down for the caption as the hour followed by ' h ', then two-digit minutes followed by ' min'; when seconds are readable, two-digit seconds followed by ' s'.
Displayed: 7 h 29 min
